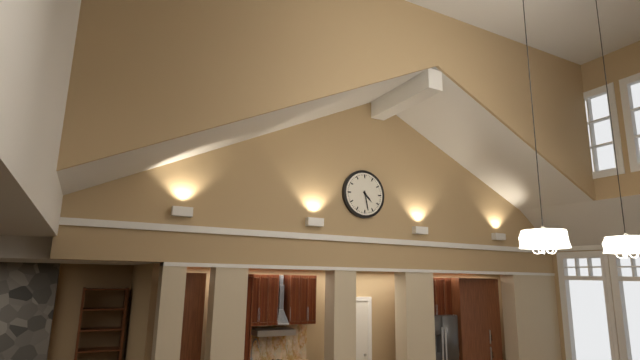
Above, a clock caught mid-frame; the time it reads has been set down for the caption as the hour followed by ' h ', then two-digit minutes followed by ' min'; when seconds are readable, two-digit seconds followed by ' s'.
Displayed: 4 h 28 min
